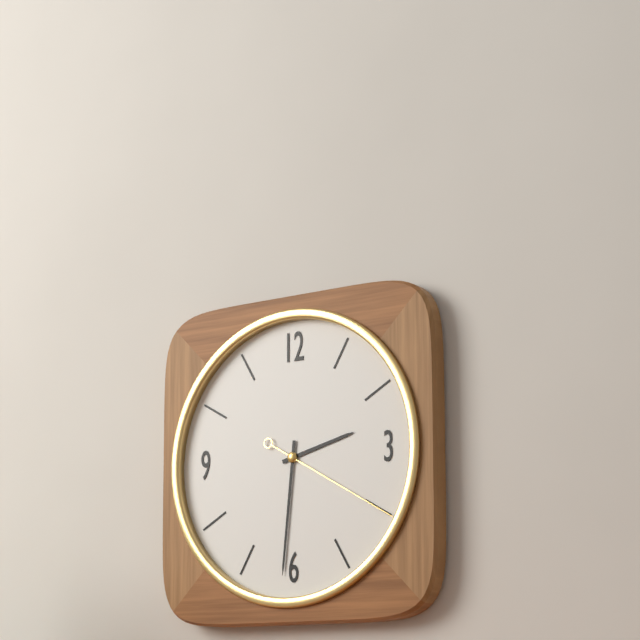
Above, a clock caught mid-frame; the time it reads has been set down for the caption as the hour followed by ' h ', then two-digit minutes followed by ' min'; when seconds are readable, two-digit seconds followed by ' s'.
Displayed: 2 h 31 min 20 s
